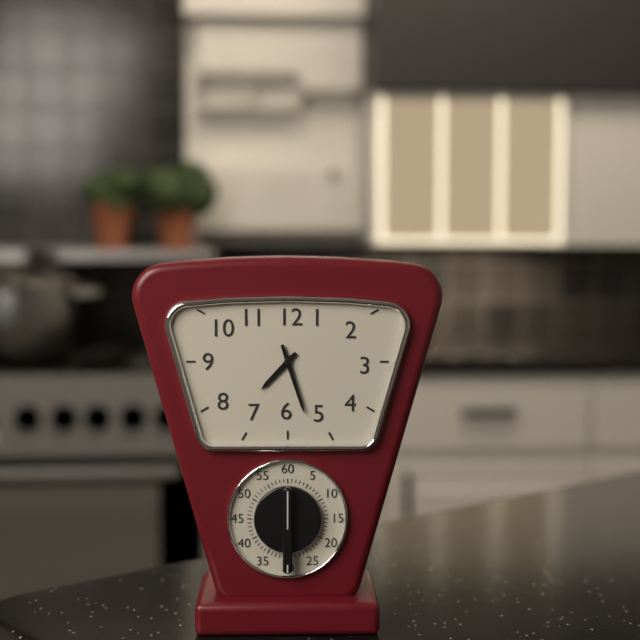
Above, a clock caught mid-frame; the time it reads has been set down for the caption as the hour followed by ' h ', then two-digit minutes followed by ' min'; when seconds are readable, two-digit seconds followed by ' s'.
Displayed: 7 h 27 min
